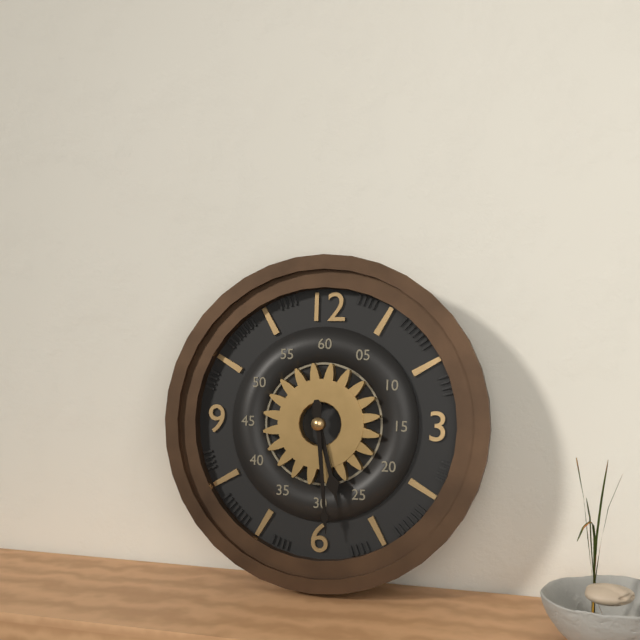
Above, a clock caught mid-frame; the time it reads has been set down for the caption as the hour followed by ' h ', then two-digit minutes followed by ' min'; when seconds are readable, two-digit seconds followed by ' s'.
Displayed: 5 h 29 min
